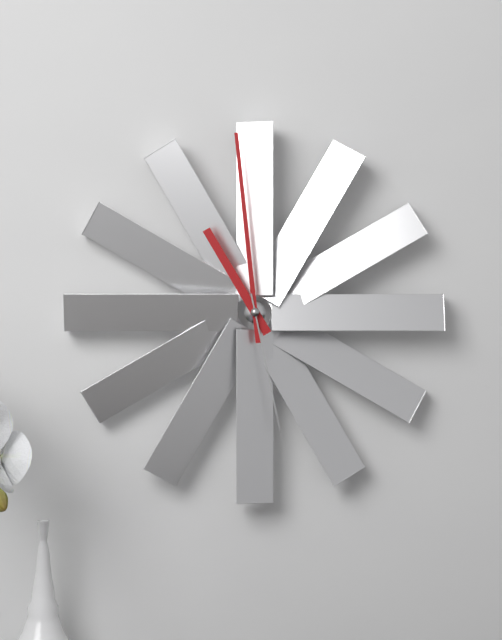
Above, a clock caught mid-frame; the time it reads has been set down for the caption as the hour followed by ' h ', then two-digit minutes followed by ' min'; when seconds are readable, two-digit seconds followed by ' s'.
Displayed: 10 h 59 min 28 s
